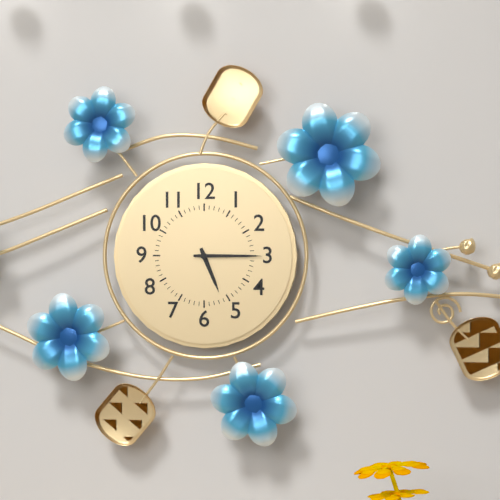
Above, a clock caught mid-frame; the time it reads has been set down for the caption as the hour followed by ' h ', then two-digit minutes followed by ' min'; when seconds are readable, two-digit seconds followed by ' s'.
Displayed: 5 h 15 min
